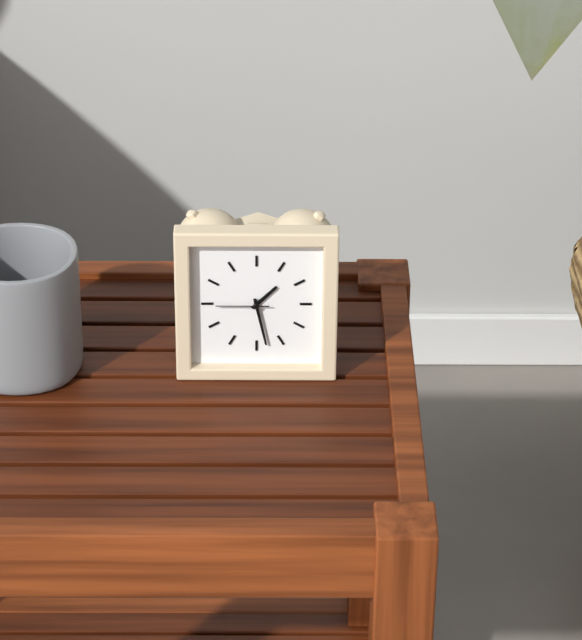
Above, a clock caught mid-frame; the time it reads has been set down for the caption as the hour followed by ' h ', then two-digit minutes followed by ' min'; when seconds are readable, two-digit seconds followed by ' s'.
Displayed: 1 h 28 min 45 s
